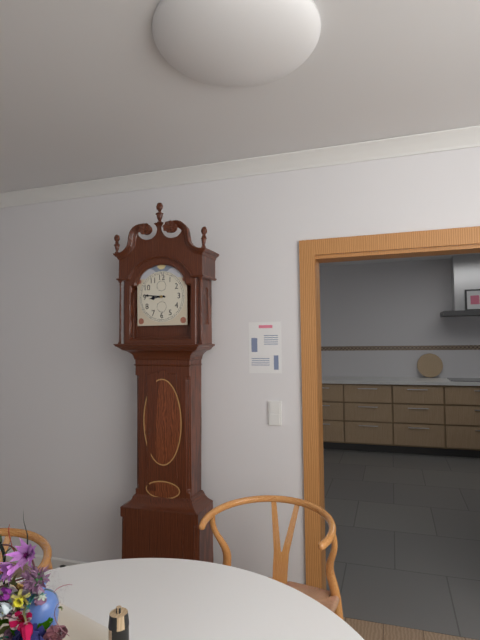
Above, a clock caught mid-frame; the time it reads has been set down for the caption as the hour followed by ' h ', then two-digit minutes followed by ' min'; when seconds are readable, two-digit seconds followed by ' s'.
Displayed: 8 h 46 min
